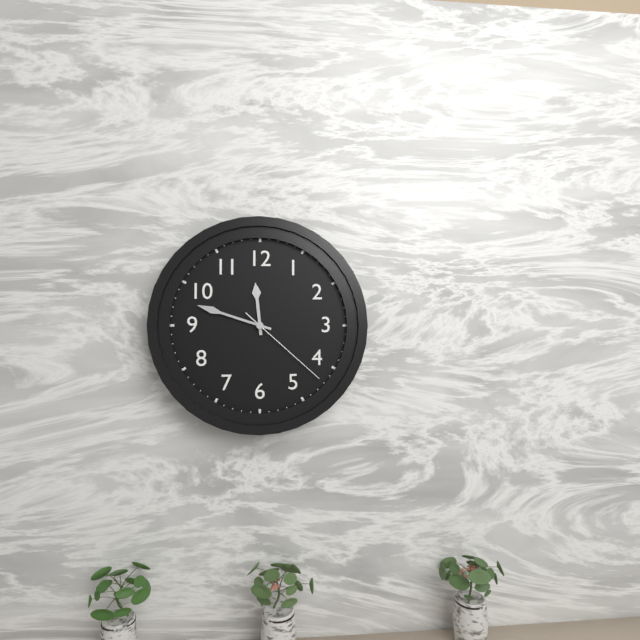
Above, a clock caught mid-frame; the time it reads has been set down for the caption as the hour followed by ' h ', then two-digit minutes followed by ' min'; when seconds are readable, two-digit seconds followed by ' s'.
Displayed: 11 h 48 min 22 s
